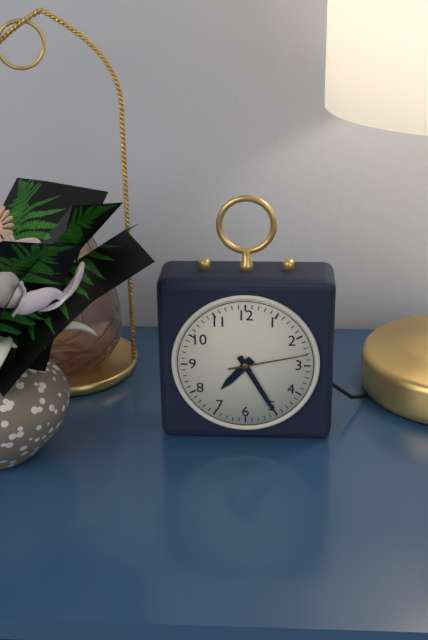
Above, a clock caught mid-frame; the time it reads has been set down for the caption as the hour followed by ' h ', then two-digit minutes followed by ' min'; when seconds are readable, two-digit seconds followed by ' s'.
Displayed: 7 h 25 min 13 s
